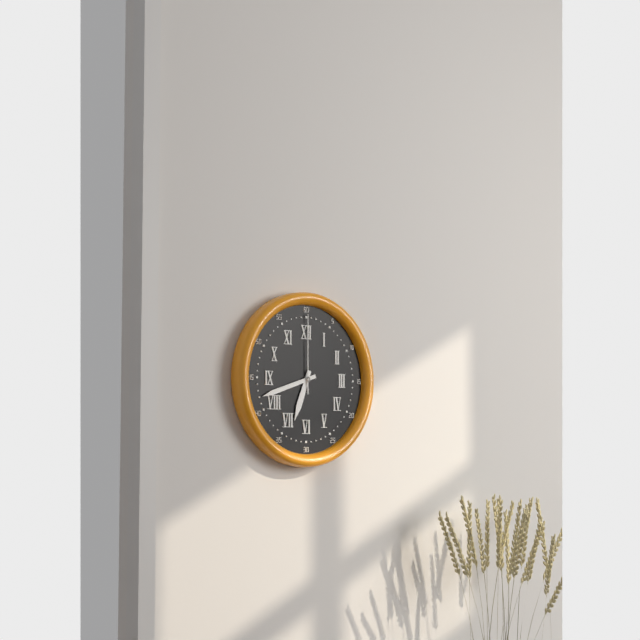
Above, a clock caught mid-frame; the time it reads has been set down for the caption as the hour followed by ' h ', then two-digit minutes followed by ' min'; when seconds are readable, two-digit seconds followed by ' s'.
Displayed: 6 h 42 min 00 s
